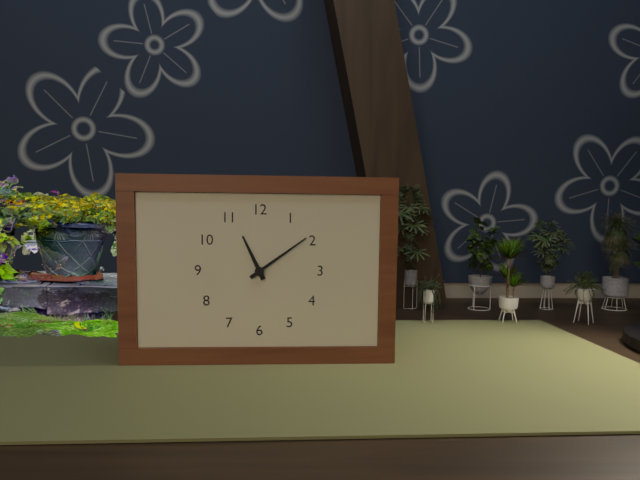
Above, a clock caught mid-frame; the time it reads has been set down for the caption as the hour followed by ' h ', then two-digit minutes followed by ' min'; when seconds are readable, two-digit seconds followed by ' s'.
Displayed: 11 h 09 min
